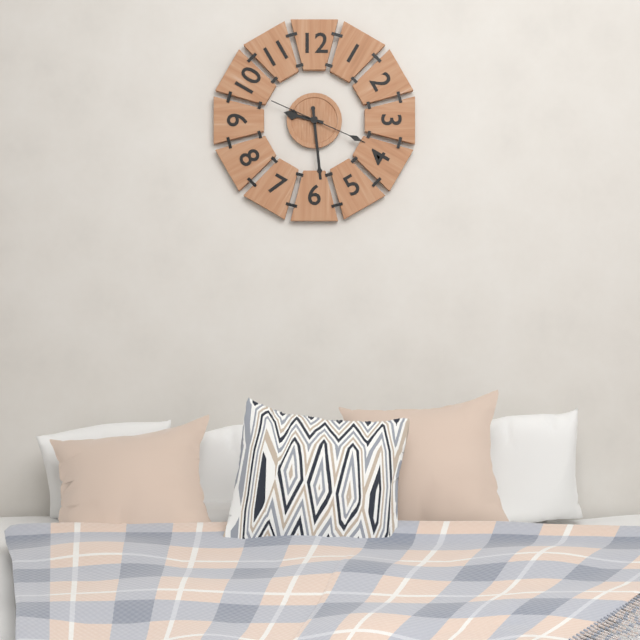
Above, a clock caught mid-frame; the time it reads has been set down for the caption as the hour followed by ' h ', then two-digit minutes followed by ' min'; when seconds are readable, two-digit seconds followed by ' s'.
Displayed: 9 h 29 min 19 s
